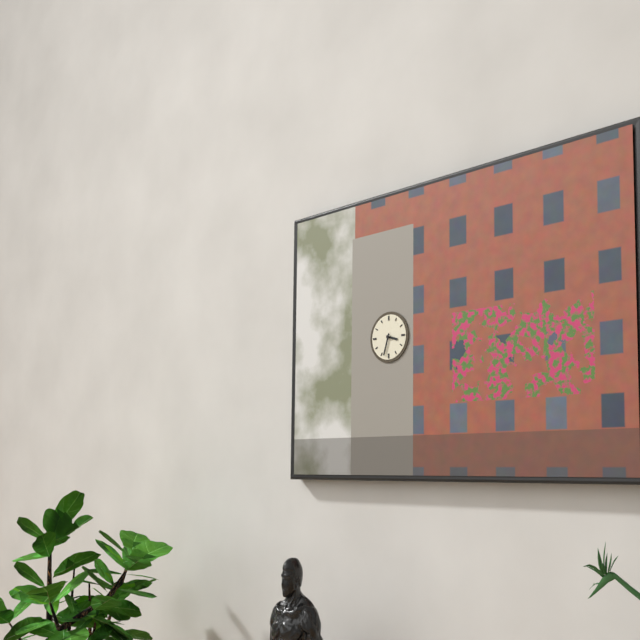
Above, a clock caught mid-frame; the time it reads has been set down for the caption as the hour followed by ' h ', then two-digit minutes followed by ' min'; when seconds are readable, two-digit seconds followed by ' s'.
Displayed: 3 h 33 min
